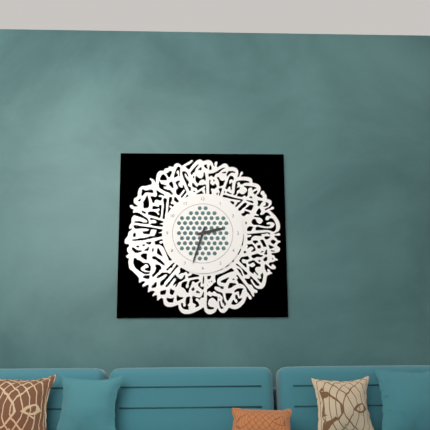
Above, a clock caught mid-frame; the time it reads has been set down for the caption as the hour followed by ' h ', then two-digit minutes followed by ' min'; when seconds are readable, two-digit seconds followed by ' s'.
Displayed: 2 h 33 min
